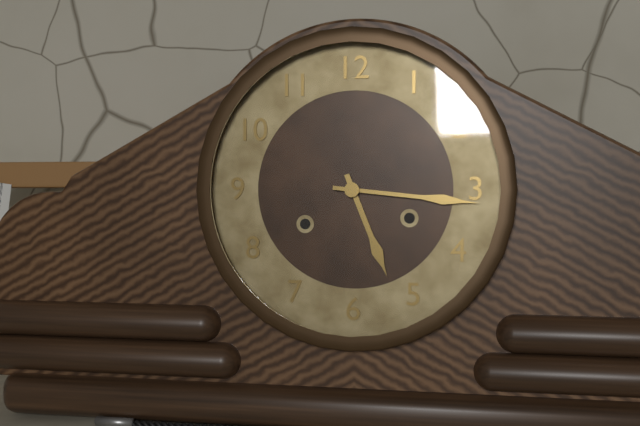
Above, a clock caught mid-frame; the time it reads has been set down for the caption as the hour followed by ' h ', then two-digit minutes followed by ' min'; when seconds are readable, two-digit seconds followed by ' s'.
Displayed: 5 h 16 min
